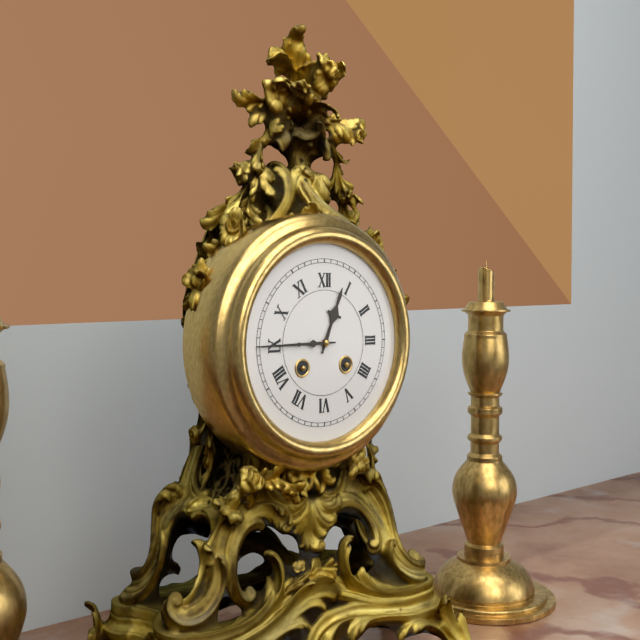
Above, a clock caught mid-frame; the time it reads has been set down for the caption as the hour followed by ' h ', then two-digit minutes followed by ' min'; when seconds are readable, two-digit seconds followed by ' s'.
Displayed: 12 h 45 min
